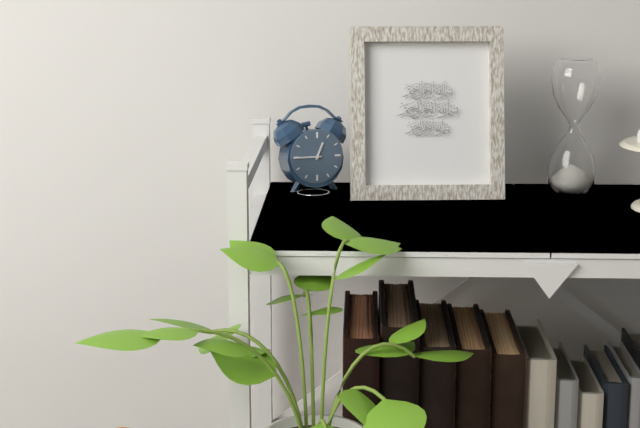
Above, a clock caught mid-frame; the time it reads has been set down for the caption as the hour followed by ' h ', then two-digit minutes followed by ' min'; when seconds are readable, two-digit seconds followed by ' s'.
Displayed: 12 h 45 min
